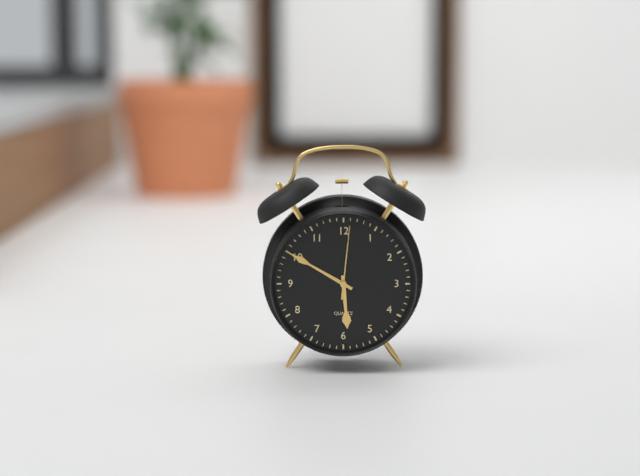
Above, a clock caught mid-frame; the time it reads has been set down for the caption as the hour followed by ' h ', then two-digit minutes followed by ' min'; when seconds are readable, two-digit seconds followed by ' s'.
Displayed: 5 h 50 min 01 s
